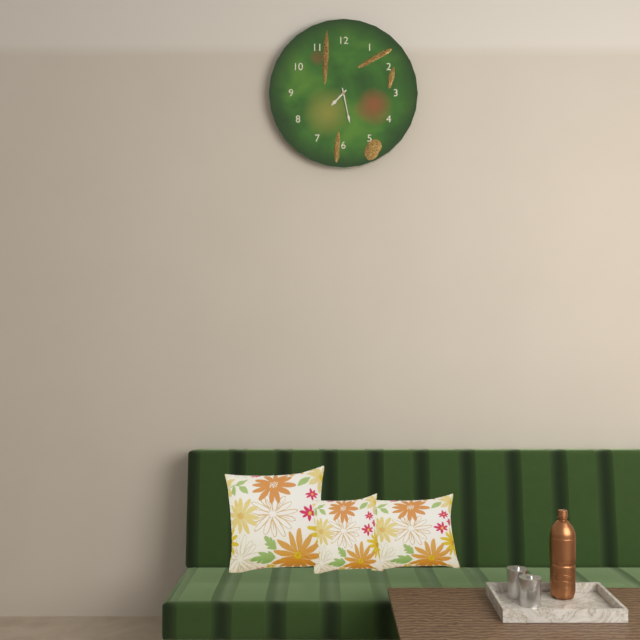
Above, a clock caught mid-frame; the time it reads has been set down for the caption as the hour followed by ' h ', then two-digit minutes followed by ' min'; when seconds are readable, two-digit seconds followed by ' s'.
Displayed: 7 h 28 min
